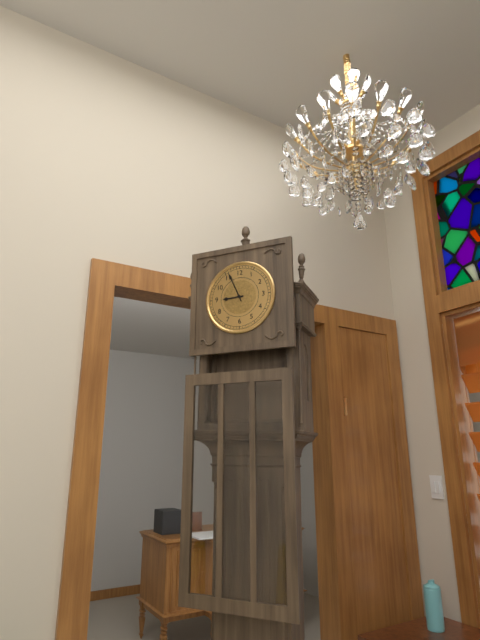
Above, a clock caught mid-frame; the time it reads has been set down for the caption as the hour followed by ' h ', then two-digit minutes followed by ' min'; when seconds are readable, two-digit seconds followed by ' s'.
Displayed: 8 h 56 min
